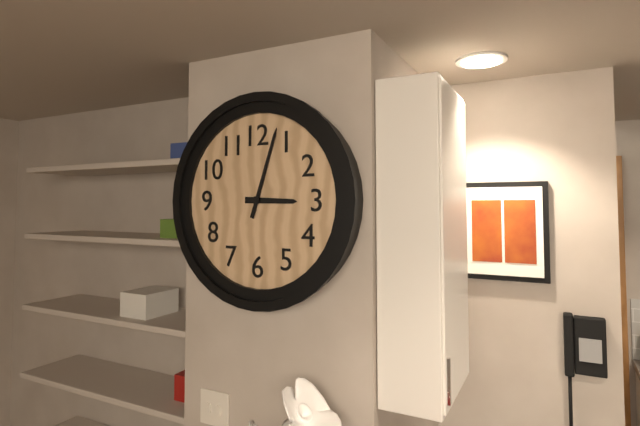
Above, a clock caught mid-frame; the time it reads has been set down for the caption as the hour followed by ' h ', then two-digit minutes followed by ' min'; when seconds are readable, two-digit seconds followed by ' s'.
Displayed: 3 h 03 min
